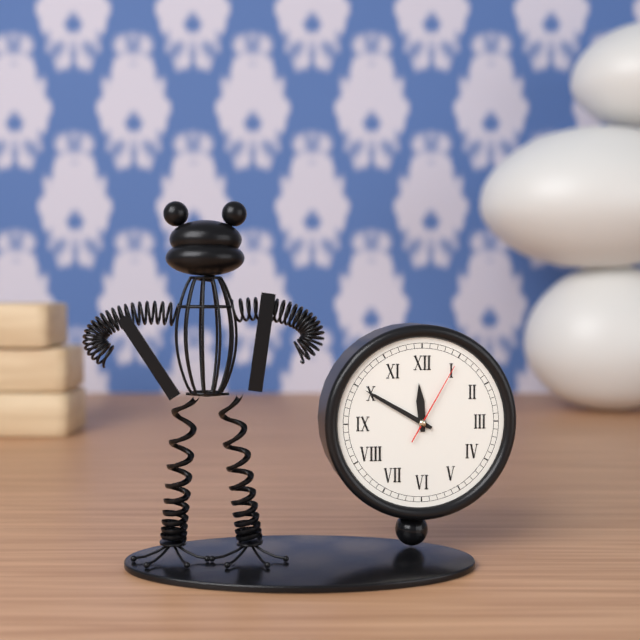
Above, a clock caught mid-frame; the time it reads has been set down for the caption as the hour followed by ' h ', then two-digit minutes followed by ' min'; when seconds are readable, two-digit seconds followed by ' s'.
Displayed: 11 h 50 min 05 s
